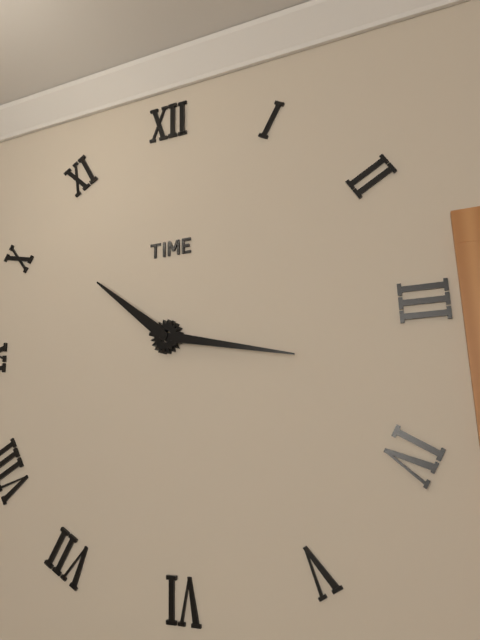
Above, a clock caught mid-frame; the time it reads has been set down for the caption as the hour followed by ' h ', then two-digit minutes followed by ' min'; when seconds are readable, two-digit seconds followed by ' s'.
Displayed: 10 h 17 min
